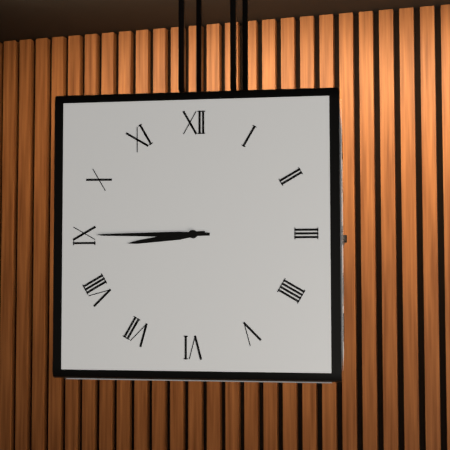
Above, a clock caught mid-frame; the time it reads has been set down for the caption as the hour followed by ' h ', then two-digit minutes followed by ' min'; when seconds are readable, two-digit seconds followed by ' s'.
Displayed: 8 h 45 min
